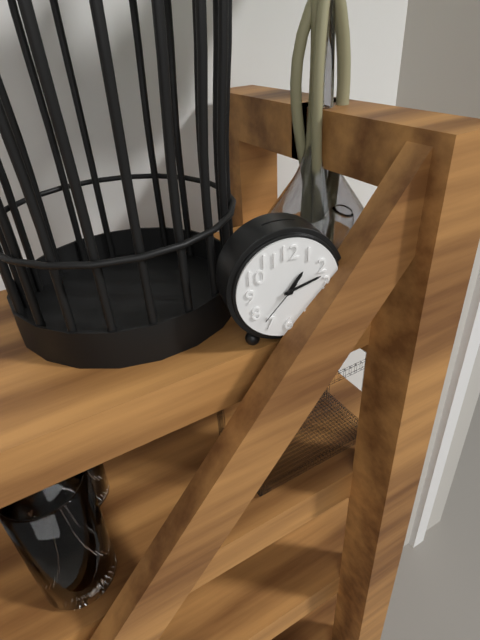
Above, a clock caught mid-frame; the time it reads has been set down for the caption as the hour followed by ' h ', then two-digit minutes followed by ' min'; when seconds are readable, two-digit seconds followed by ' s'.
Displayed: 1 h 12 min
